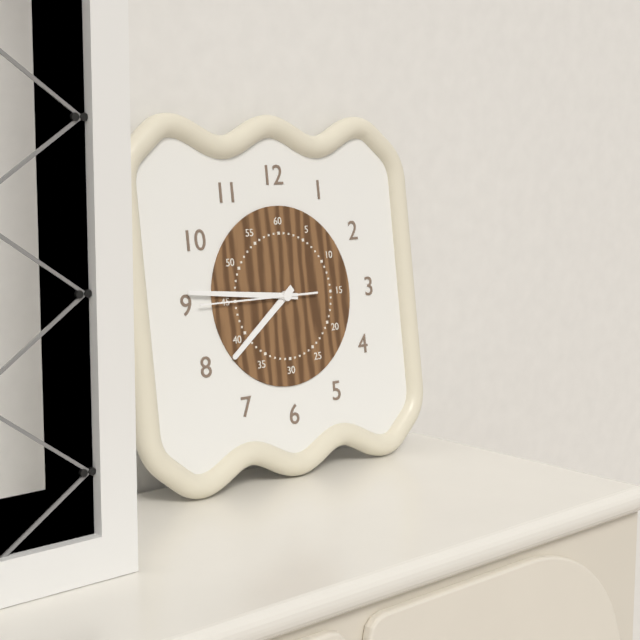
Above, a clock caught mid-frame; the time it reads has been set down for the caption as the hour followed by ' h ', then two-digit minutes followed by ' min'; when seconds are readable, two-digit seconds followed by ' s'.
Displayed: 7 h 46 min 45 s
